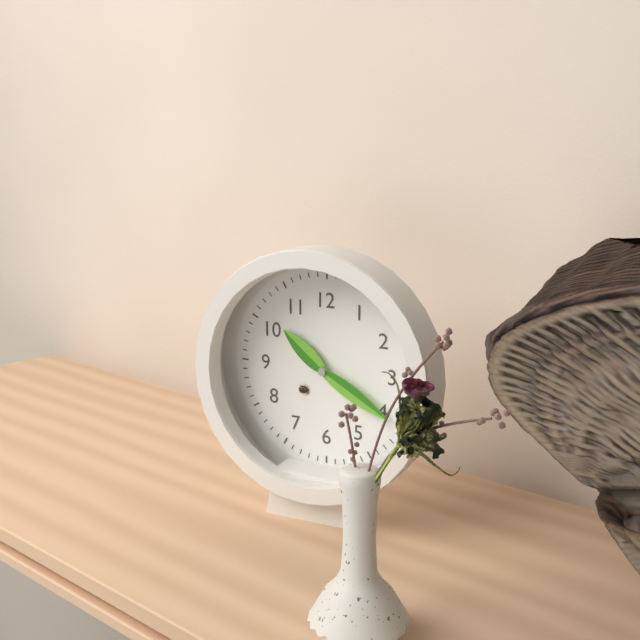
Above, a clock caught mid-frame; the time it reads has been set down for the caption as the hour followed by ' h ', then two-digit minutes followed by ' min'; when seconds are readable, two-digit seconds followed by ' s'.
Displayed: 10 h 20 min
